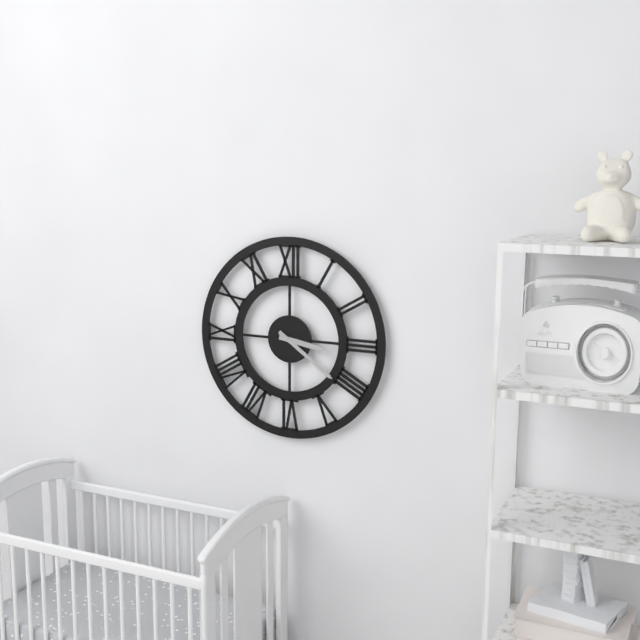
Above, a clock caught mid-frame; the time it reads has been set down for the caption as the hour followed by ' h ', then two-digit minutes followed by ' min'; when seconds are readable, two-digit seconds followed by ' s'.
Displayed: 3 h 21 min
